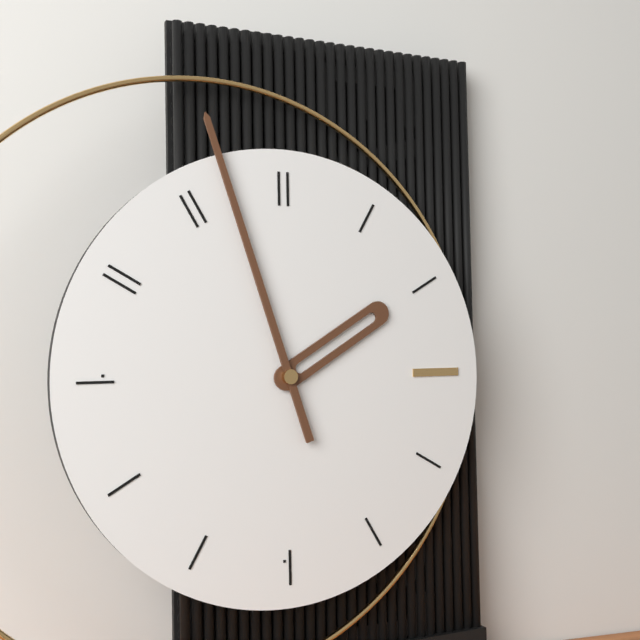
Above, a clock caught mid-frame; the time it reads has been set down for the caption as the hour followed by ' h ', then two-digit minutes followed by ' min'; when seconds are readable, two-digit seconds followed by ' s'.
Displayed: 1 h 57 min
